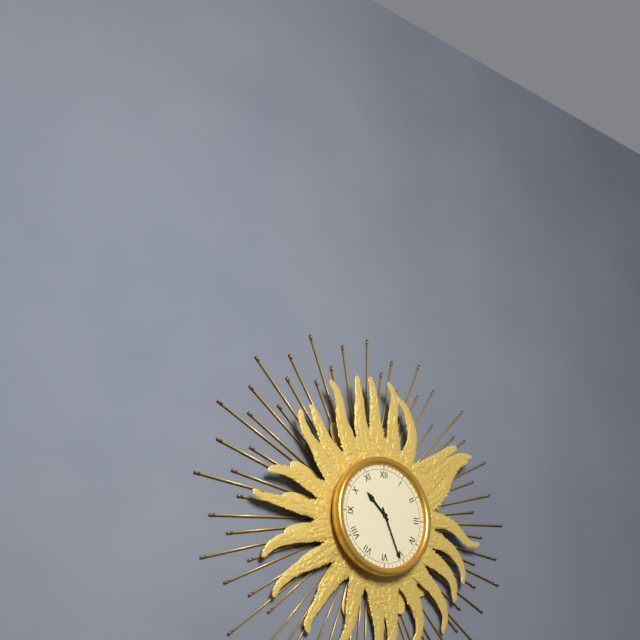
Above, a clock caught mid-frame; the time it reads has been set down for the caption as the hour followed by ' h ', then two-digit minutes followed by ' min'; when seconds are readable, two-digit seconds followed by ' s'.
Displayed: 10 h 26 min
